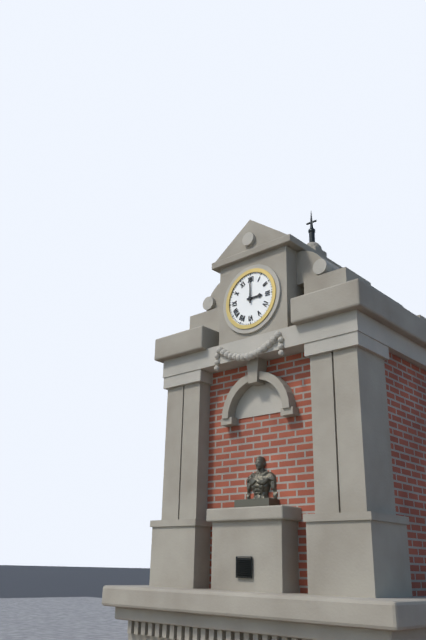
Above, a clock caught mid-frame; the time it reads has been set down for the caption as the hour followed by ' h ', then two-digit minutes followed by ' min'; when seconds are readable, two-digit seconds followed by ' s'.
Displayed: 3 h 00 min
